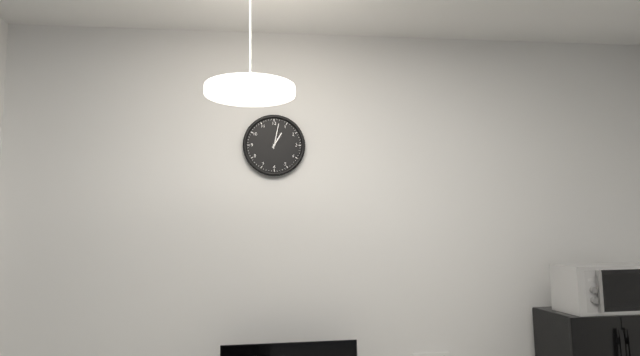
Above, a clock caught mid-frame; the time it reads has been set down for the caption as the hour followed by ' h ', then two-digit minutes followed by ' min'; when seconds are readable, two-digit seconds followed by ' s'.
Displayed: 1 h 02 min
